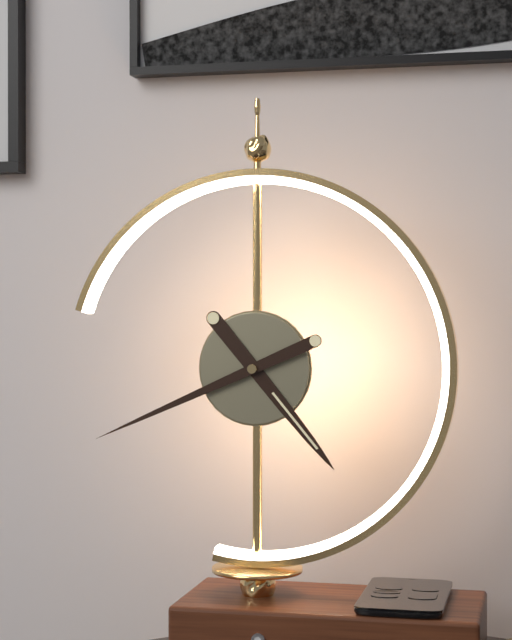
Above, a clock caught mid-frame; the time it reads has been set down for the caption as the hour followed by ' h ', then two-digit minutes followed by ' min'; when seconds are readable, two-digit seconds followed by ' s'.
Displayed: 4 h 41 min
